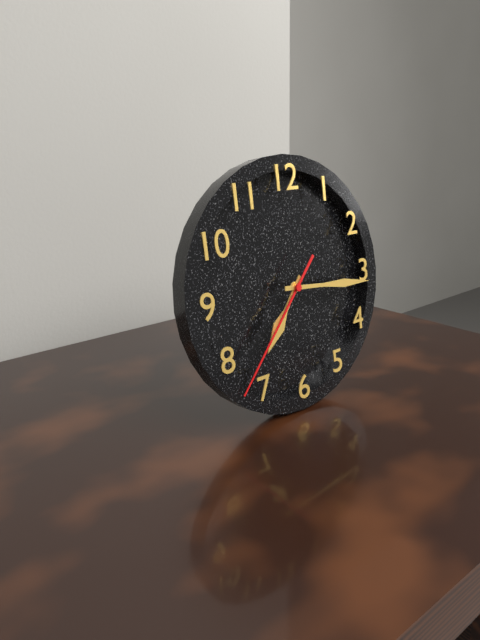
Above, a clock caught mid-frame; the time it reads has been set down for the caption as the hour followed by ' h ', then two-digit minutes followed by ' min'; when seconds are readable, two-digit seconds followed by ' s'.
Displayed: 7 h 16 min 37 s
